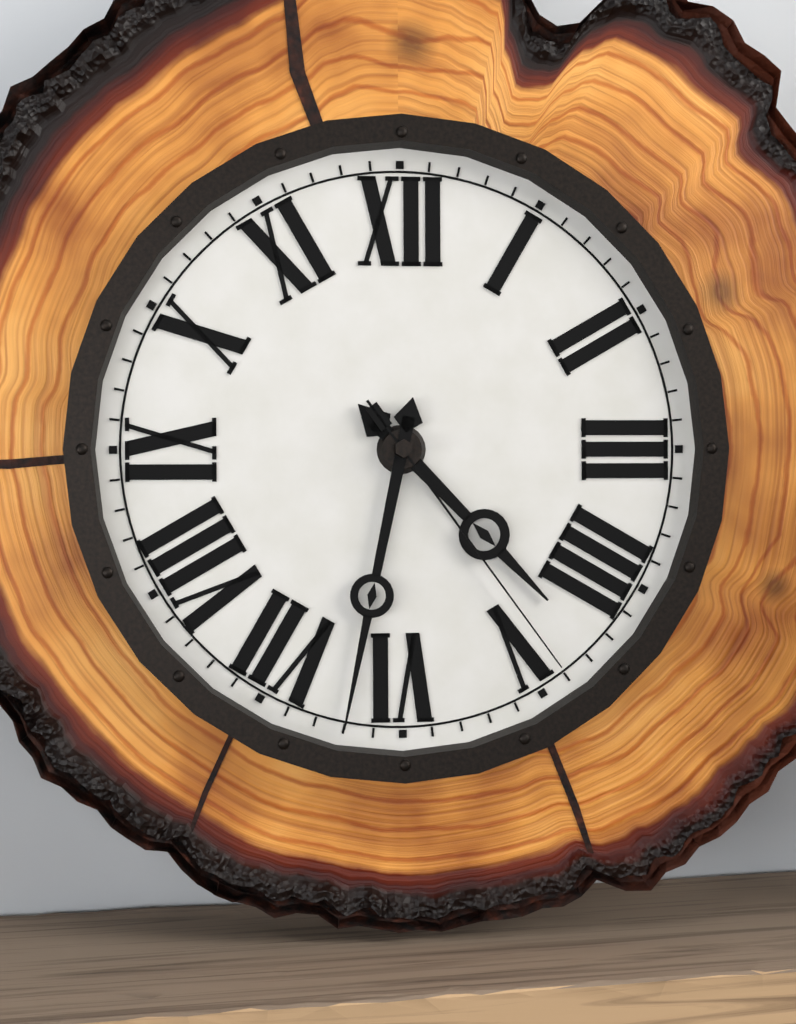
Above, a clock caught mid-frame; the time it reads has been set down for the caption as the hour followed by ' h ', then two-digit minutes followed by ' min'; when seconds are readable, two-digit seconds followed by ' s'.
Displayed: 4 h 32 min 24 s
